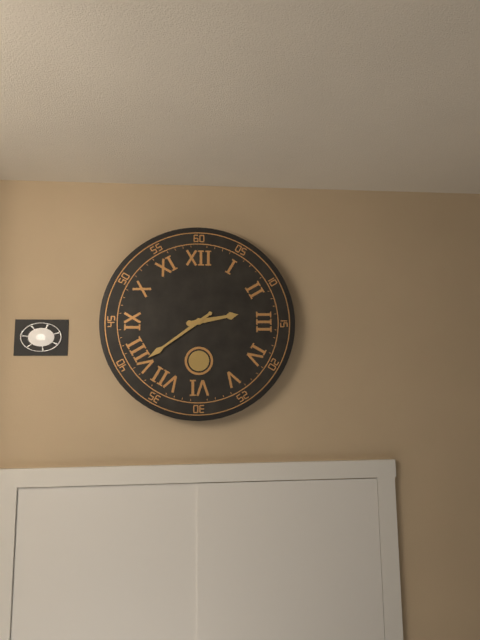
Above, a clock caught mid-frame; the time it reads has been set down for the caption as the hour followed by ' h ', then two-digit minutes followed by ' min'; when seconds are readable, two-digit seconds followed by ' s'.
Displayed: 2 h 39 min
